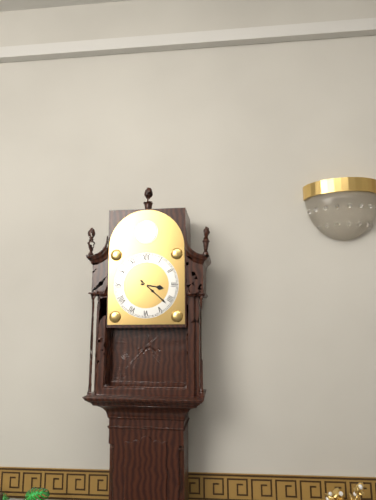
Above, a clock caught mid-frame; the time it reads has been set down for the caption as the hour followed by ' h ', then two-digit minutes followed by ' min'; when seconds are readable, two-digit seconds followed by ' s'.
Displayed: 3 h 22 min
